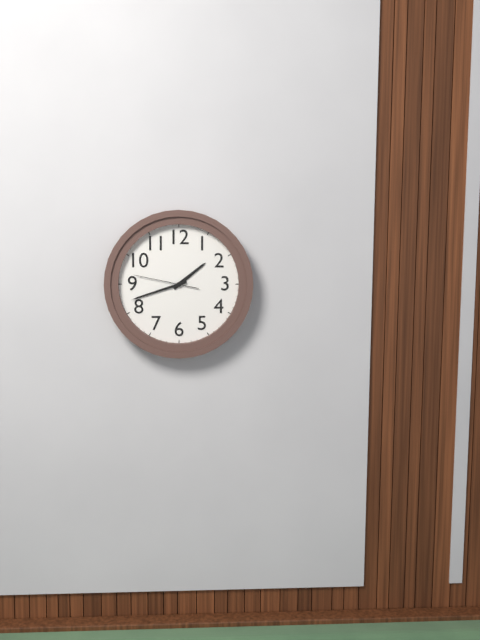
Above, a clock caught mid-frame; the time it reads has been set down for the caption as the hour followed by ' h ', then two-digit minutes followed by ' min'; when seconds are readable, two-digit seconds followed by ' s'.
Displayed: 1 h 42 min 47 s
